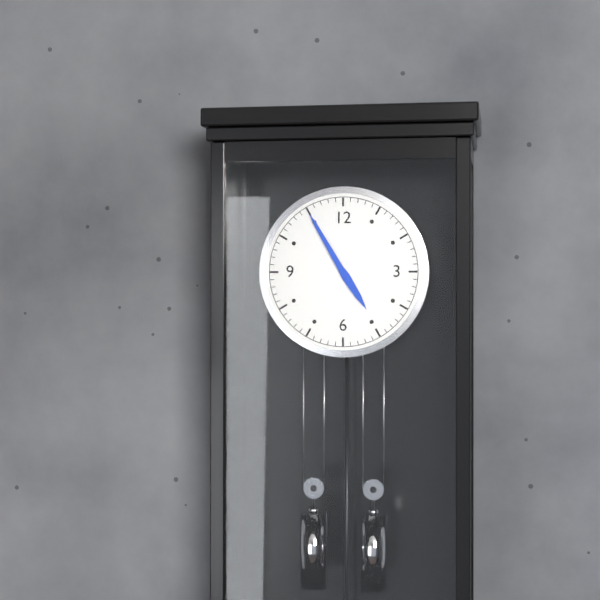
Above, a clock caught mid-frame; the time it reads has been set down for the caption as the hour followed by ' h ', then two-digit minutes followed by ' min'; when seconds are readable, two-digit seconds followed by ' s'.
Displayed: 4 h 55 min
